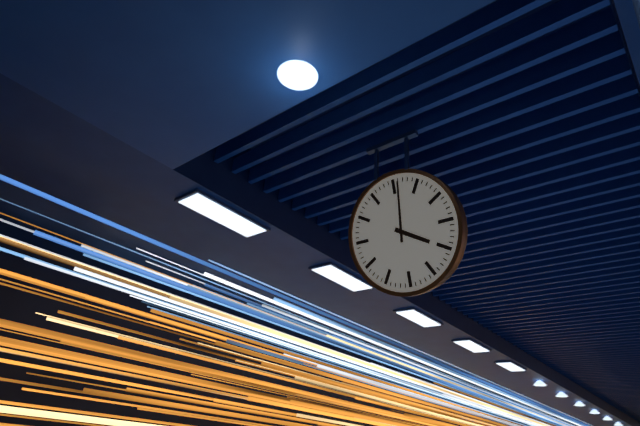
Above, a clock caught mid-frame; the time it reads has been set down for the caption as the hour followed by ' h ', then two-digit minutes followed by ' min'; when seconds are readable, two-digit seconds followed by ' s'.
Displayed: 4 h 01 min
